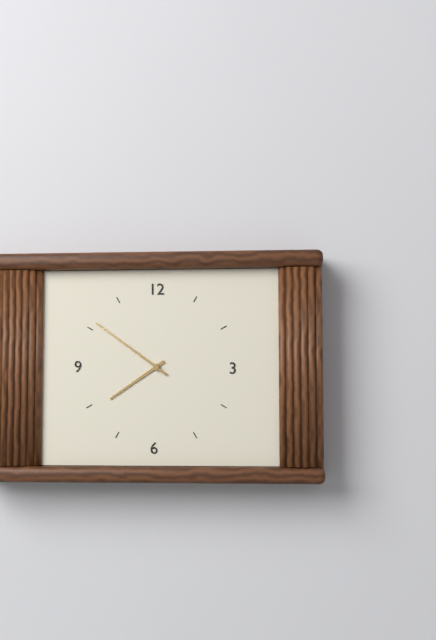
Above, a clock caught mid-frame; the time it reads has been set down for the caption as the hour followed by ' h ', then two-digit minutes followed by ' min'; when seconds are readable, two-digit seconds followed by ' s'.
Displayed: 7 h 51 min
